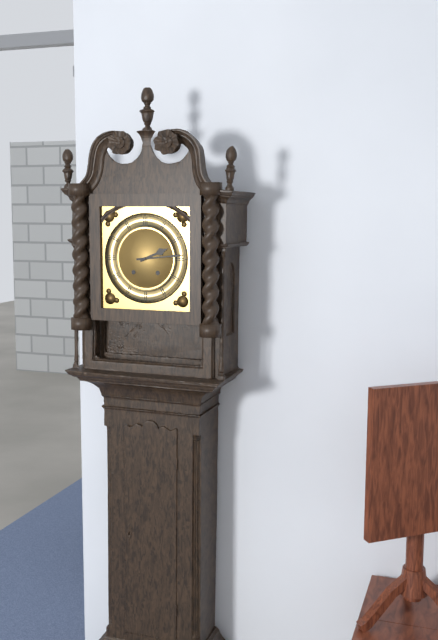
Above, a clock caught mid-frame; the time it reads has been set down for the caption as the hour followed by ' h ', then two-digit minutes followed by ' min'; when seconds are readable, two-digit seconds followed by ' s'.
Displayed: 2 h 14 min
